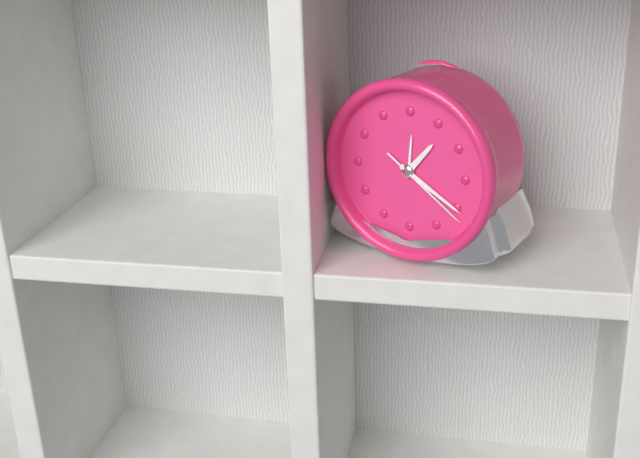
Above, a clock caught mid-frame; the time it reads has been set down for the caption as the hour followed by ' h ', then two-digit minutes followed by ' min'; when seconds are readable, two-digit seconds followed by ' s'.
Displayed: 1 h 20 min 21 s
